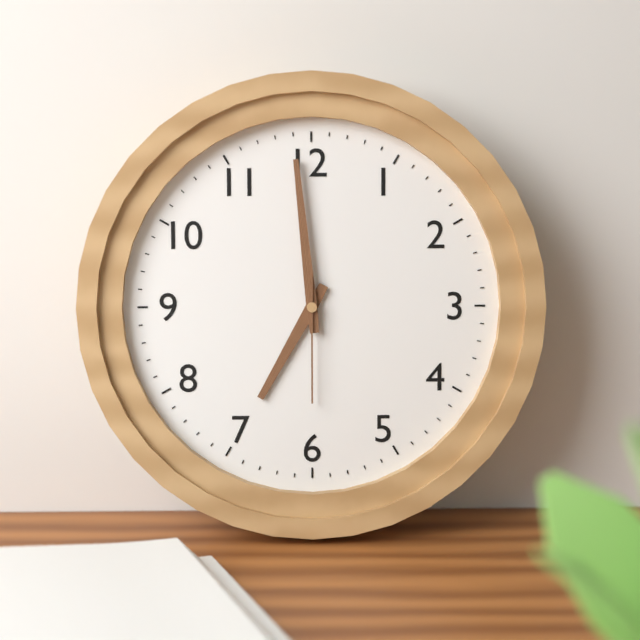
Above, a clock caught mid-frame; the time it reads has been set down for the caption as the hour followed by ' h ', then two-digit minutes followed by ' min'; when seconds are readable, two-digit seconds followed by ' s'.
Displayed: 6 h 59 min 30 s
